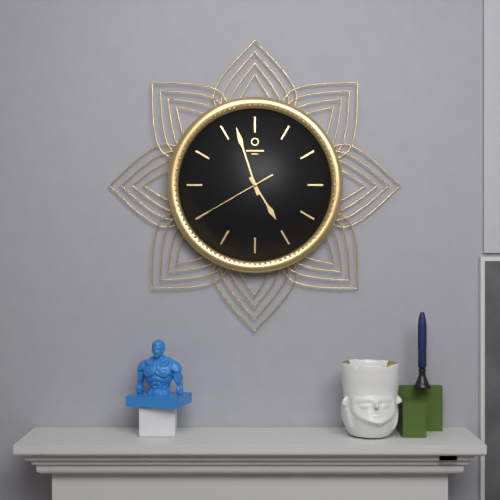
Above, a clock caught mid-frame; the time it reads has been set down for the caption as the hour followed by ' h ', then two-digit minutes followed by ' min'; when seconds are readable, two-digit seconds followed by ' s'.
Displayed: 4 h 57 min 40 s
